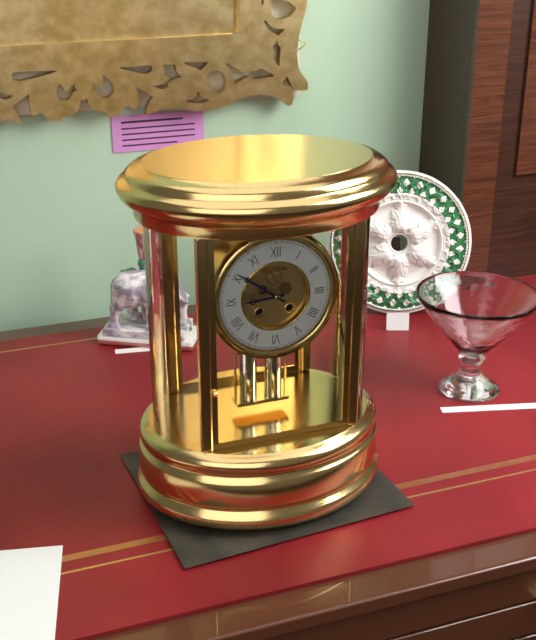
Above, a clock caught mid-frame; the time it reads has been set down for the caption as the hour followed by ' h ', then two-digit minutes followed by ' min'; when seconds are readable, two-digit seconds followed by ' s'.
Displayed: 8 h 51 min
